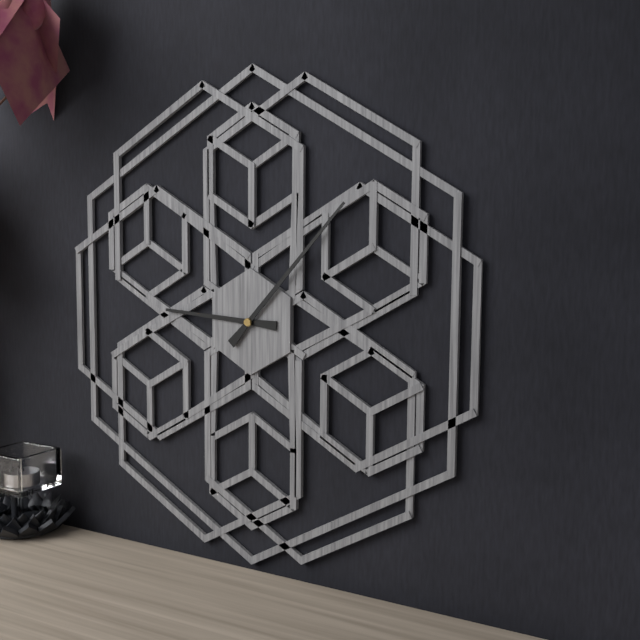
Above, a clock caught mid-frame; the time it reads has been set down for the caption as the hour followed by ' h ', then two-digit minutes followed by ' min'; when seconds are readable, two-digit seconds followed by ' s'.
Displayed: 9 h 07 min
